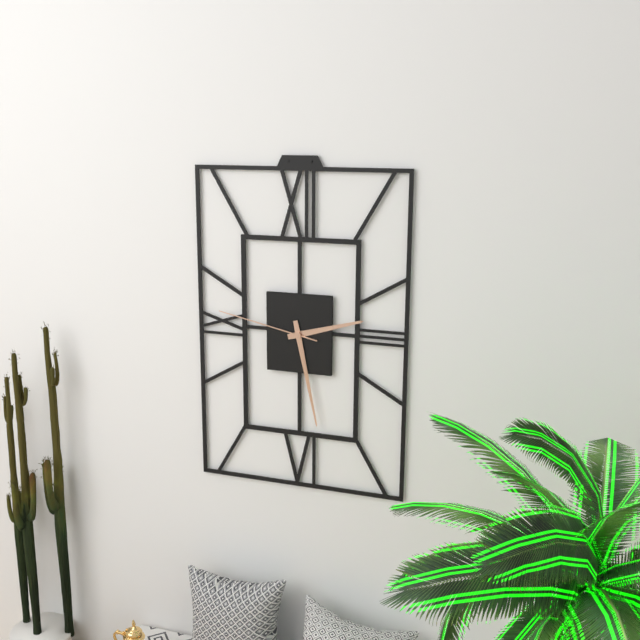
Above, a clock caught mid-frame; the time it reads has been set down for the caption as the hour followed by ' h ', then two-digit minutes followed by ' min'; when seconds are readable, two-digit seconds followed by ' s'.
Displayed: 2 h 28 min 47 s
